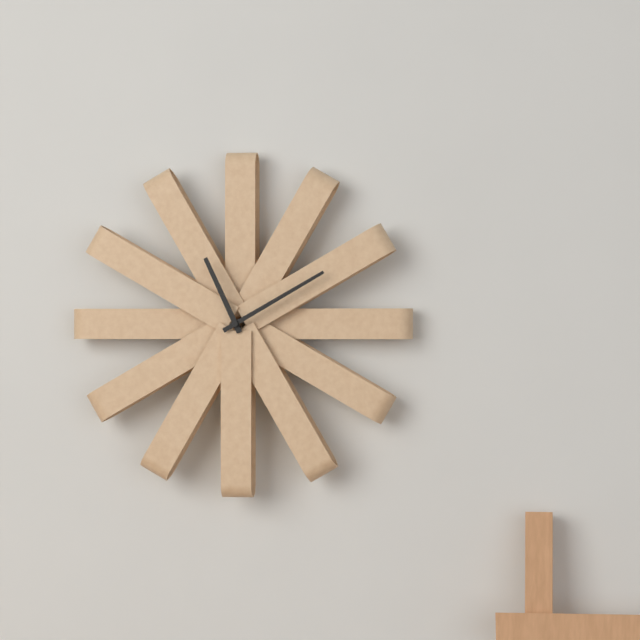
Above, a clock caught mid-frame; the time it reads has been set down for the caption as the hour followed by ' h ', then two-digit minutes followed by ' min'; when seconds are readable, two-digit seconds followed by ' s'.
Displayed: 11 h 10 min
